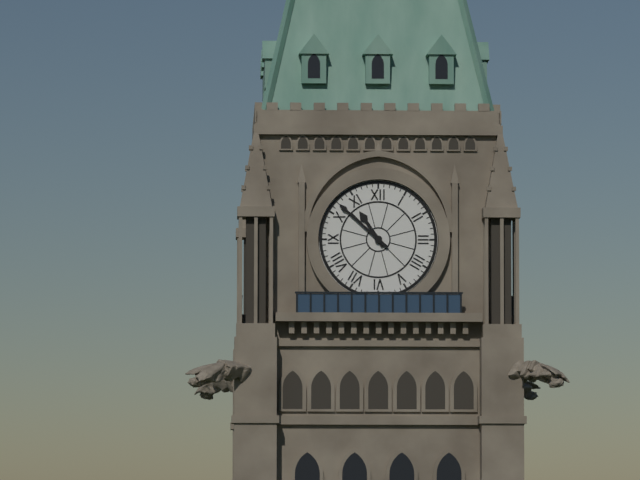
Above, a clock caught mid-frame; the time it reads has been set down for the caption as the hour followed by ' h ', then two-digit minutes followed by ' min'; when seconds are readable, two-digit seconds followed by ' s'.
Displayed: 10 h 52 min
